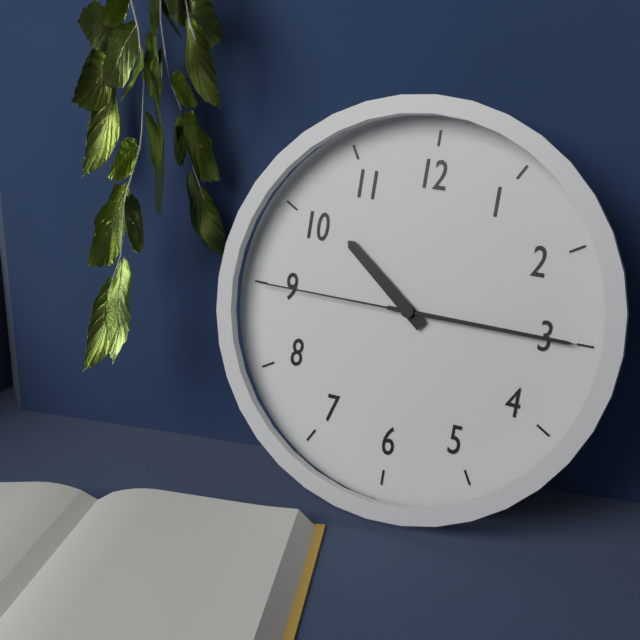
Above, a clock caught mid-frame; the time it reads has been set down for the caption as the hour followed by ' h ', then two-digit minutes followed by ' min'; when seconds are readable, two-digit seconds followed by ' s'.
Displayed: 10 h 15 min 45 s
